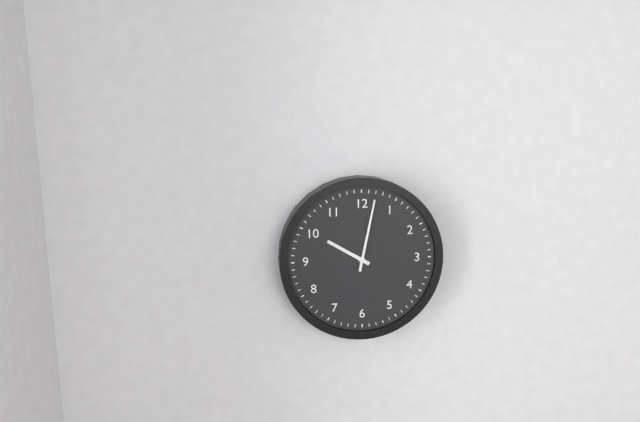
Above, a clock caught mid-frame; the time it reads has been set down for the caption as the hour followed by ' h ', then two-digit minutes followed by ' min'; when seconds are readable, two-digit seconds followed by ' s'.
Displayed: 10 h 02 min
